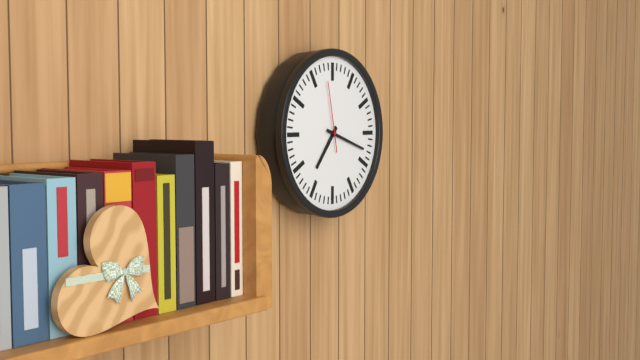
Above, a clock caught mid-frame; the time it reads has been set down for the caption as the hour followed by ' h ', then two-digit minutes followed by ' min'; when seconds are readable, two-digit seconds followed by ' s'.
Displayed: 7 h 18 min 58 s
